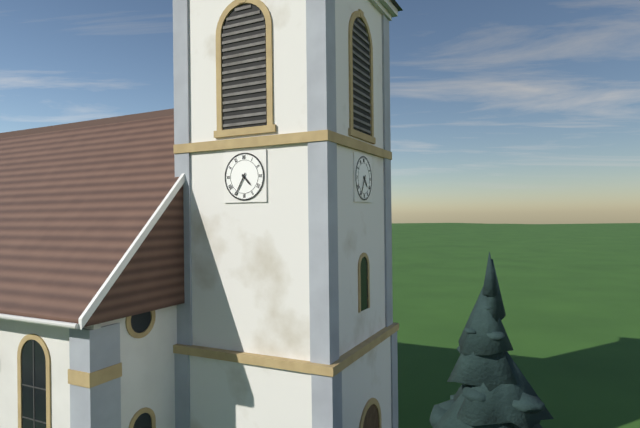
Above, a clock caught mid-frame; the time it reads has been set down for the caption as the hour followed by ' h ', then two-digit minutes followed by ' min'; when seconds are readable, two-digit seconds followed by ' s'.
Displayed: 4 h 35 min
